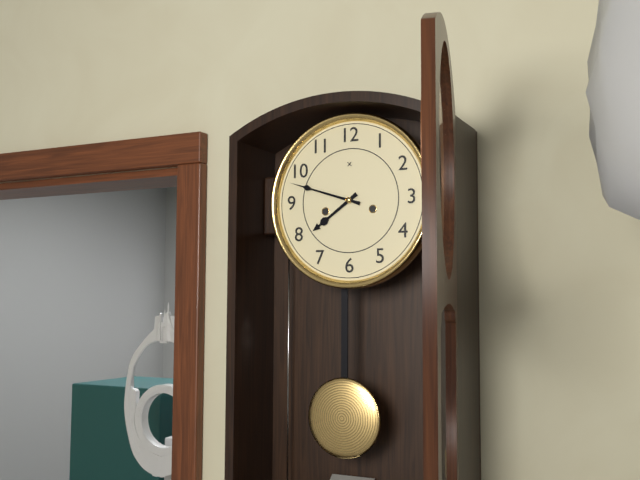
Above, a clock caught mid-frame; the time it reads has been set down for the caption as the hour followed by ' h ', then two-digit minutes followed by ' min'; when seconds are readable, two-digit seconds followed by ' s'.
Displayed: 7 h 48 min
